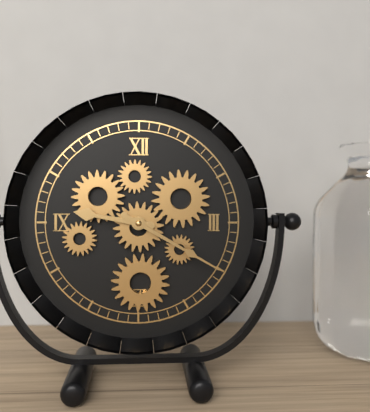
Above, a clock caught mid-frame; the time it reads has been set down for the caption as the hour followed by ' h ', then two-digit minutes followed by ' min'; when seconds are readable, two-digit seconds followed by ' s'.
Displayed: 9 h 20 min
